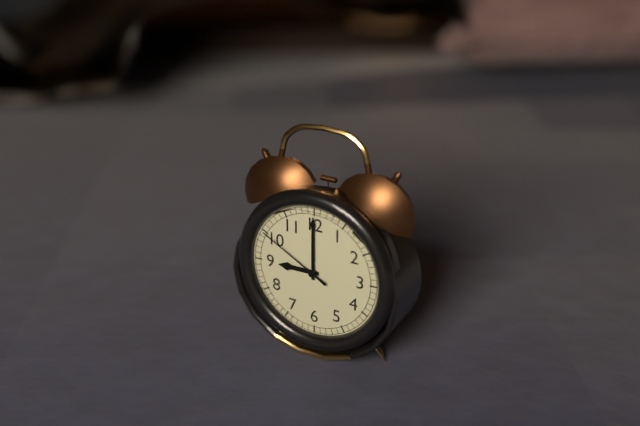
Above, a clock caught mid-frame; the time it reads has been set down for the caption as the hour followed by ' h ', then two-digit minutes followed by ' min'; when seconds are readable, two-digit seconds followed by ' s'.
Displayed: 9 h 00 min 50 s
